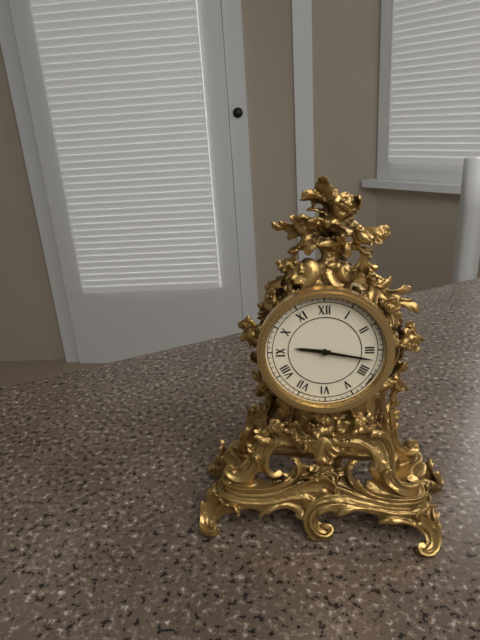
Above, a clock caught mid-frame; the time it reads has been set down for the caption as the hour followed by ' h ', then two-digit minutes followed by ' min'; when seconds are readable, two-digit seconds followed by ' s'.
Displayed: 9 h 17 min
